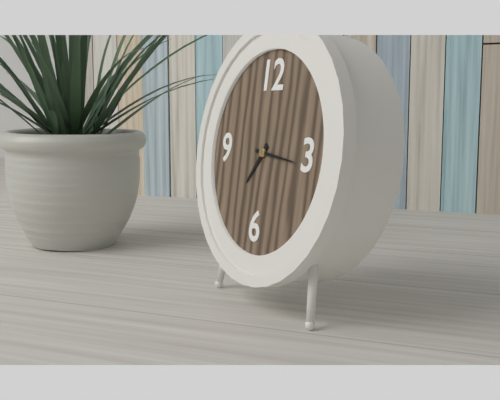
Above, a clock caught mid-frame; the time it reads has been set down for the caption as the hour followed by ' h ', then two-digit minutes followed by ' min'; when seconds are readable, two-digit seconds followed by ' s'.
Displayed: 7 h 16 min
